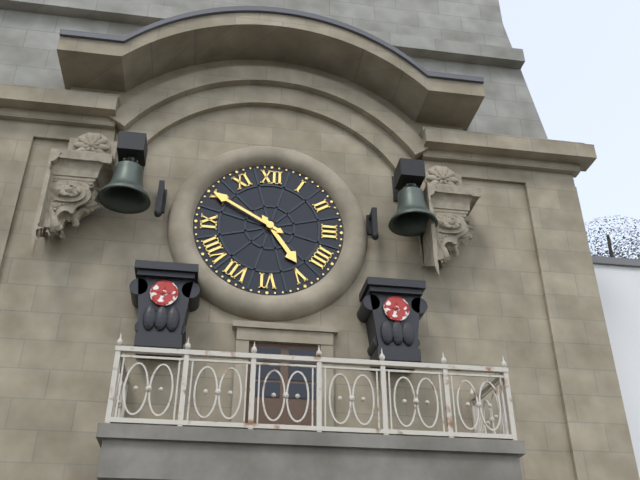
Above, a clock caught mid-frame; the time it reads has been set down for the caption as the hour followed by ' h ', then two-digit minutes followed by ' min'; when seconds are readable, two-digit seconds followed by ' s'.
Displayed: 4 h 50 min
